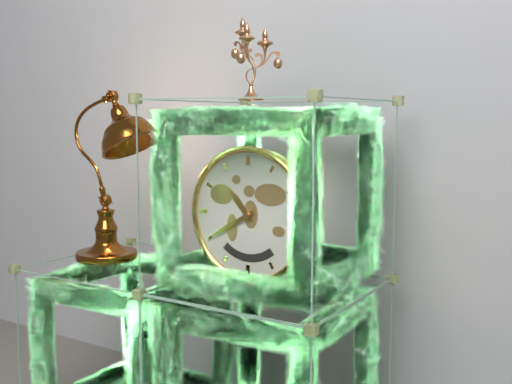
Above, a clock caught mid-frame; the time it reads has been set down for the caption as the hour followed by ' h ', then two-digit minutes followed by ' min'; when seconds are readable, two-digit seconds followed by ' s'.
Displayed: 10 h 40 min
